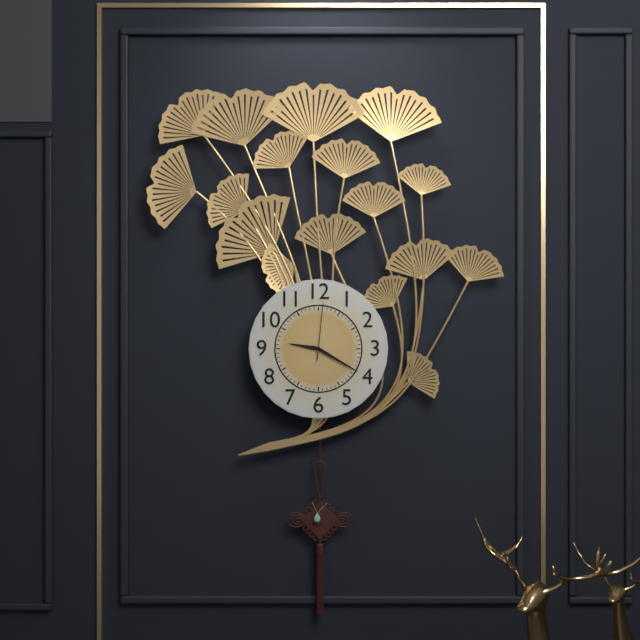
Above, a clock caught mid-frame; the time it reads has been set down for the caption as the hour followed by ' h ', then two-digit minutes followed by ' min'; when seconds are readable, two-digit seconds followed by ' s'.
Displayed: 9 h 20 min 01 s
